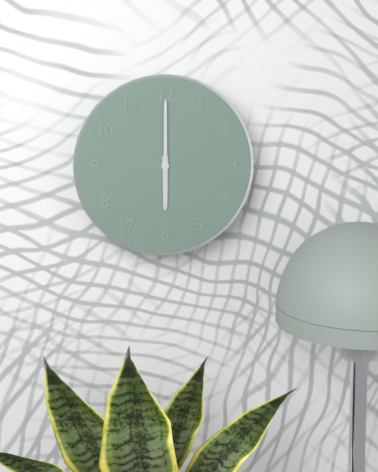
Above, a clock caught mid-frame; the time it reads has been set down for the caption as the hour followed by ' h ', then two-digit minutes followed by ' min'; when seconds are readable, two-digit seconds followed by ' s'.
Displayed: 6 h 00 min
